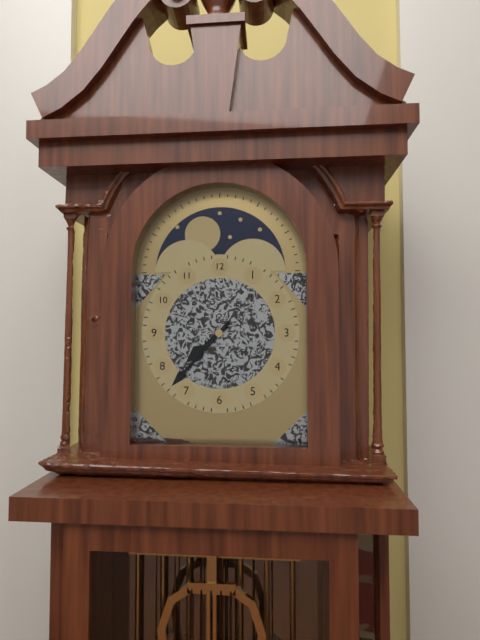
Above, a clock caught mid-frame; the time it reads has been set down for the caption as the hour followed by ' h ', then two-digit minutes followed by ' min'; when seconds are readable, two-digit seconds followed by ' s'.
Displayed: 7 h 37 min
